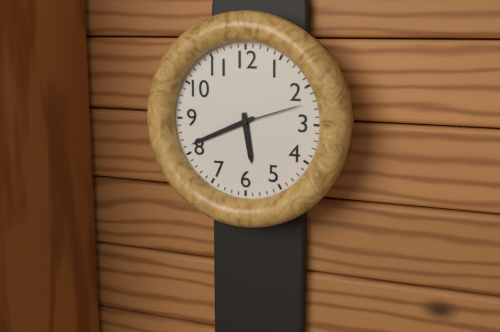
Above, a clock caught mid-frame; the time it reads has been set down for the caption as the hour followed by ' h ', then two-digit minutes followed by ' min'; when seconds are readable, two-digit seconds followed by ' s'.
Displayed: 5 h 41 min 12 s
